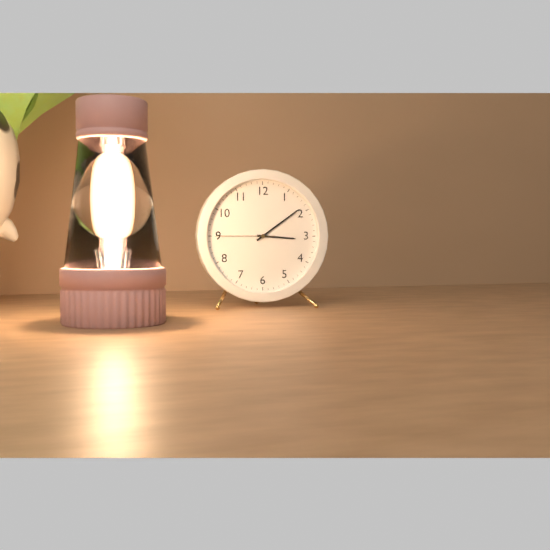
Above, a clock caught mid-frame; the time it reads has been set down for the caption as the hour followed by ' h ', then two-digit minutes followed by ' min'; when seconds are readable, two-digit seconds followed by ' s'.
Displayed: 3 h 09 min 45 s
